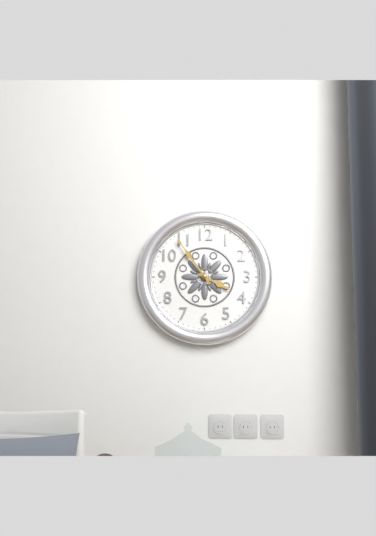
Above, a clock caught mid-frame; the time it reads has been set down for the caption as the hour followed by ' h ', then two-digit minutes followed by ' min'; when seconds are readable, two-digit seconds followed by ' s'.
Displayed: 3 h 54 min
